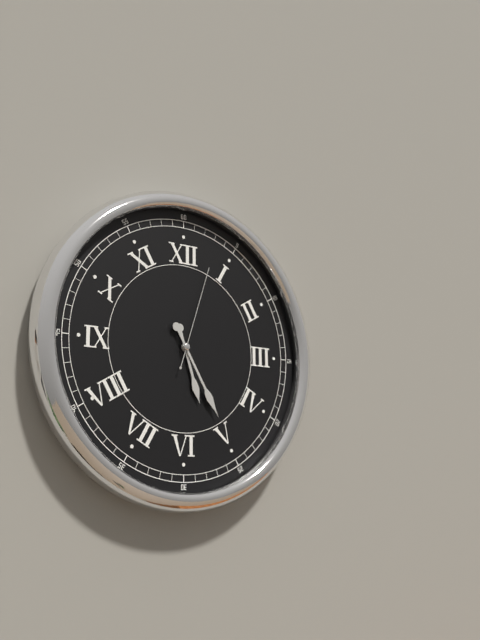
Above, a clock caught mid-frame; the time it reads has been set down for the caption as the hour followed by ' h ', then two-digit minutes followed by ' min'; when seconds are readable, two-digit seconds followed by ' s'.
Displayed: 5 h 25 min 03 s
